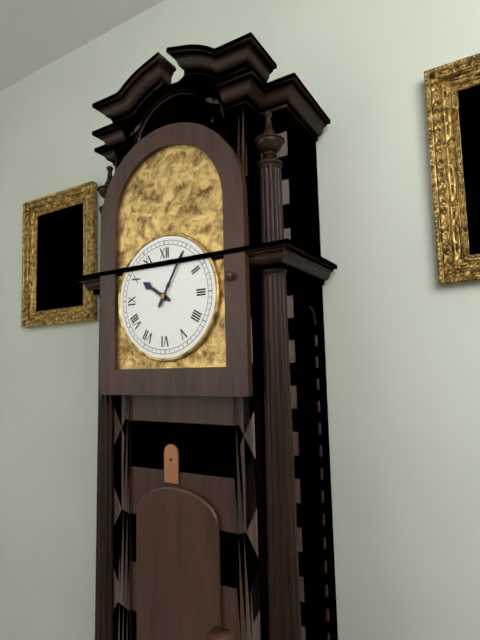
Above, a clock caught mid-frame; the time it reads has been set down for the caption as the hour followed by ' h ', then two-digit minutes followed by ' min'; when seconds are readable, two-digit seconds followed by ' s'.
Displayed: 10 h 05 min
